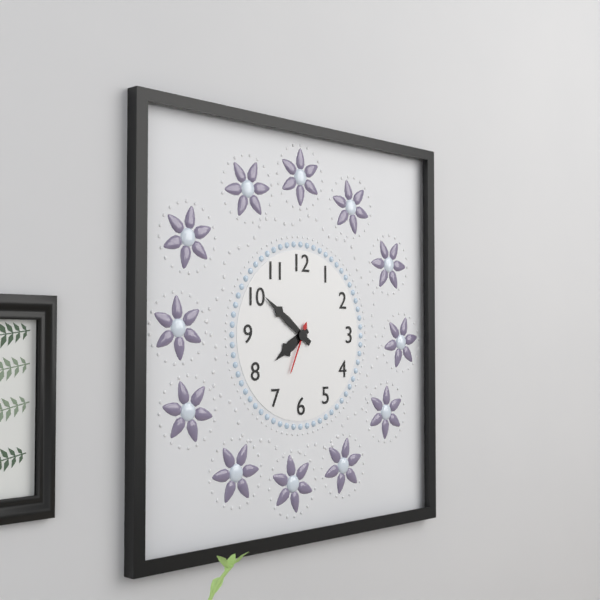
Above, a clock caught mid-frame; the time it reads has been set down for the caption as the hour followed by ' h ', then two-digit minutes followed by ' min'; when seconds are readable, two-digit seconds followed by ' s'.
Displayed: 7 h 51 min
